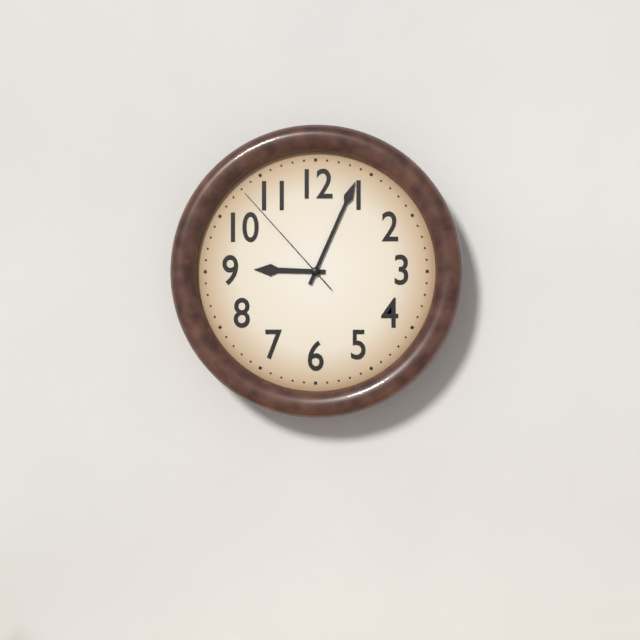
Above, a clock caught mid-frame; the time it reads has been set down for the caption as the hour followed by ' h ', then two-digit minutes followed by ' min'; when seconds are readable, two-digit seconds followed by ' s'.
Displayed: 9 h 04 min 53 s
